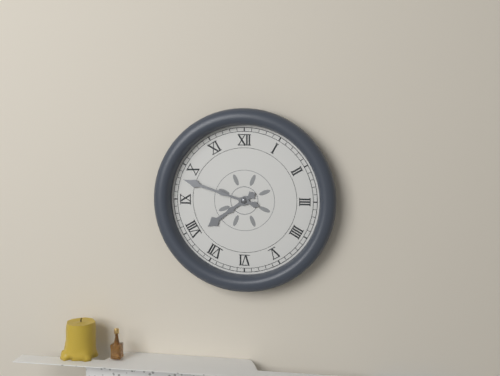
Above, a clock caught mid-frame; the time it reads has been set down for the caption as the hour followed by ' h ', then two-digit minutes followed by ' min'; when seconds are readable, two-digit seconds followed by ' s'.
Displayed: 7 h 48 min
